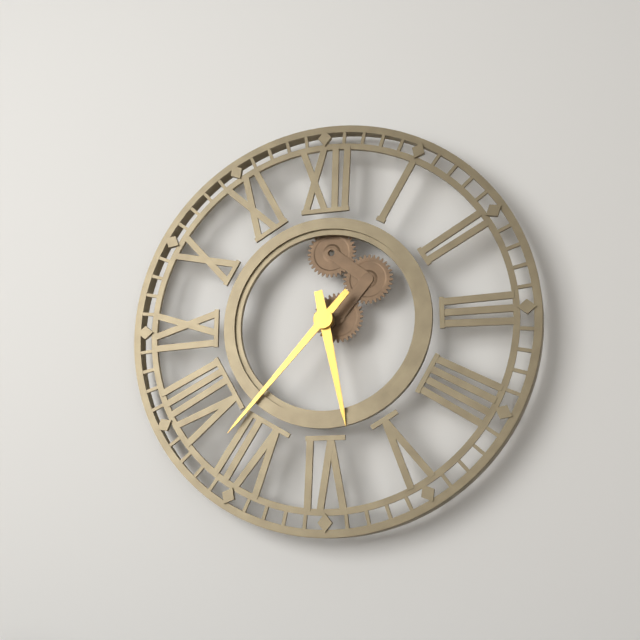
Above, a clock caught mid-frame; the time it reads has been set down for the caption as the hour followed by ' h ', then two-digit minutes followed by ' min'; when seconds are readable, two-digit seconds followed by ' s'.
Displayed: 5 h 37 min
